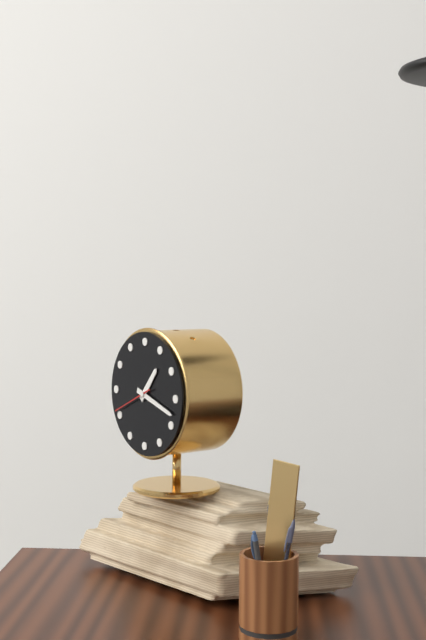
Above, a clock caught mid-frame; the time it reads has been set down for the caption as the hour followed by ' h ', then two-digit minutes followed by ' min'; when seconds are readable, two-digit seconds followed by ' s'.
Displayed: 1 h 18 min
